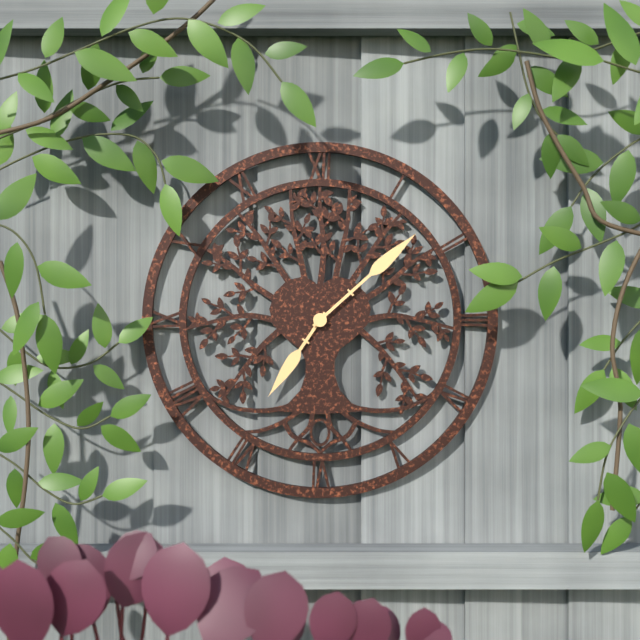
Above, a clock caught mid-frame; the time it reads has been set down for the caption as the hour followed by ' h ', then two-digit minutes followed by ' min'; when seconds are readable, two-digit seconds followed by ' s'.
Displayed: 7 h 08 min
